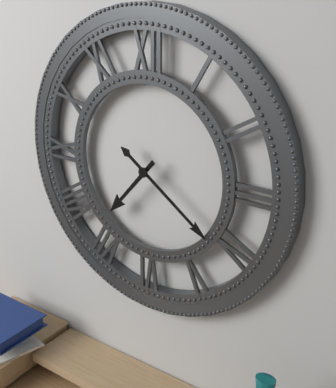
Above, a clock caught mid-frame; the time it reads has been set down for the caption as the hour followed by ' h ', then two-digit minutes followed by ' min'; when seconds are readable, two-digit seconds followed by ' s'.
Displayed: 7 h 21 min
